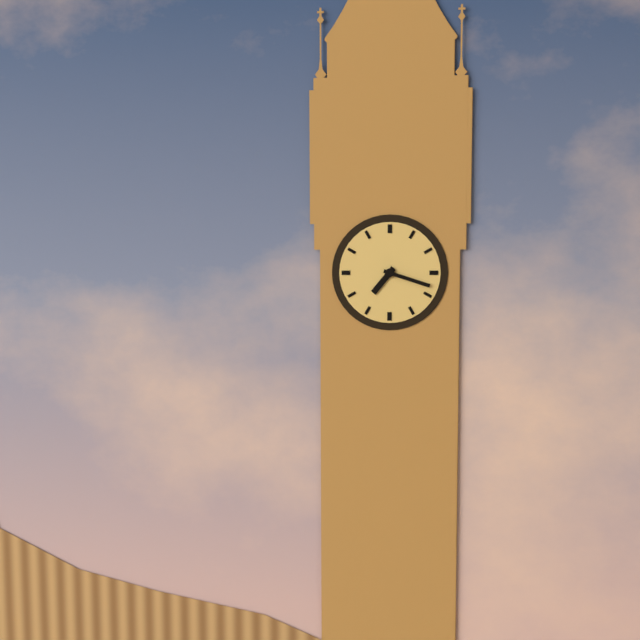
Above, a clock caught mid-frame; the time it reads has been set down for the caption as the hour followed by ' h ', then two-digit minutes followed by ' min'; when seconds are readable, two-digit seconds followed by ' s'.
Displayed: 7 h 18 min
